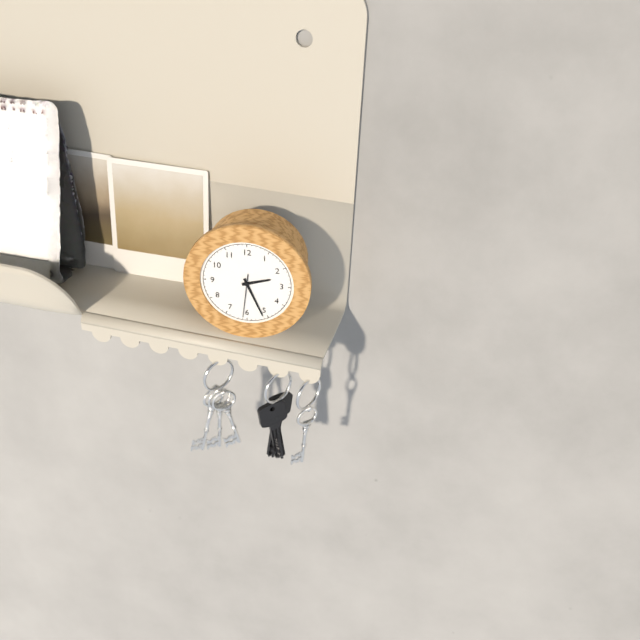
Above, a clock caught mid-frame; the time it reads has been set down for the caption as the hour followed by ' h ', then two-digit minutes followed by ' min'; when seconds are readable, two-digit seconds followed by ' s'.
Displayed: 2 h 26 min
